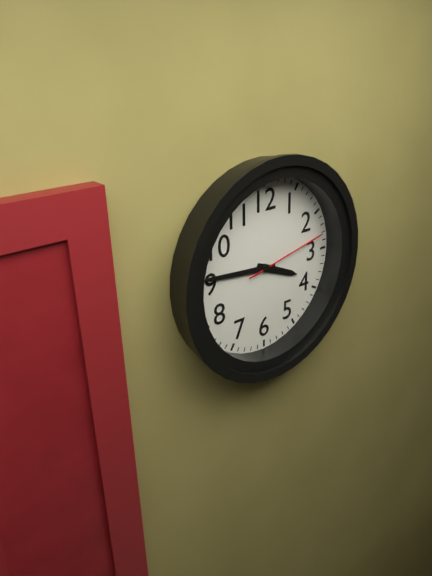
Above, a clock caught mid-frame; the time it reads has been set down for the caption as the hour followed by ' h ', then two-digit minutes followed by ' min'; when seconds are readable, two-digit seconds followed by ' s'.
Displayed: 3 h 46 min 13 s
